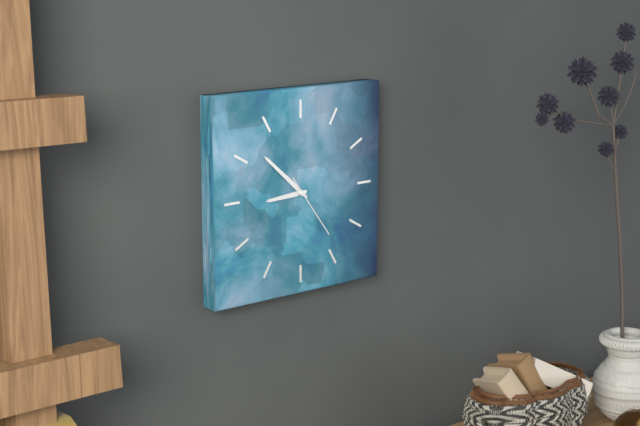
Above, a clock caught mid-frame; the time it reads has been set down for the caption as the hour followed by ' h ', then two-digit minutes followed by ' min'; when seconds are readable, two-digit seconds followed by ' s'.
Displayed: 8 h 52 min 24 s
